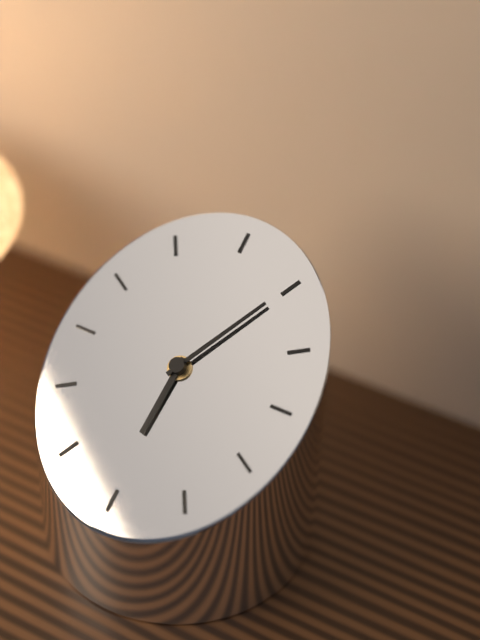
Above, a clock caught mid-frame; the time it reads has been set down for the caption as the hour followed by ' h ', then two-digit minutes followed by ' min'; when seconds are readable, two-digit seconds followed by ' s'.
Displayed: 6 h 05 min
